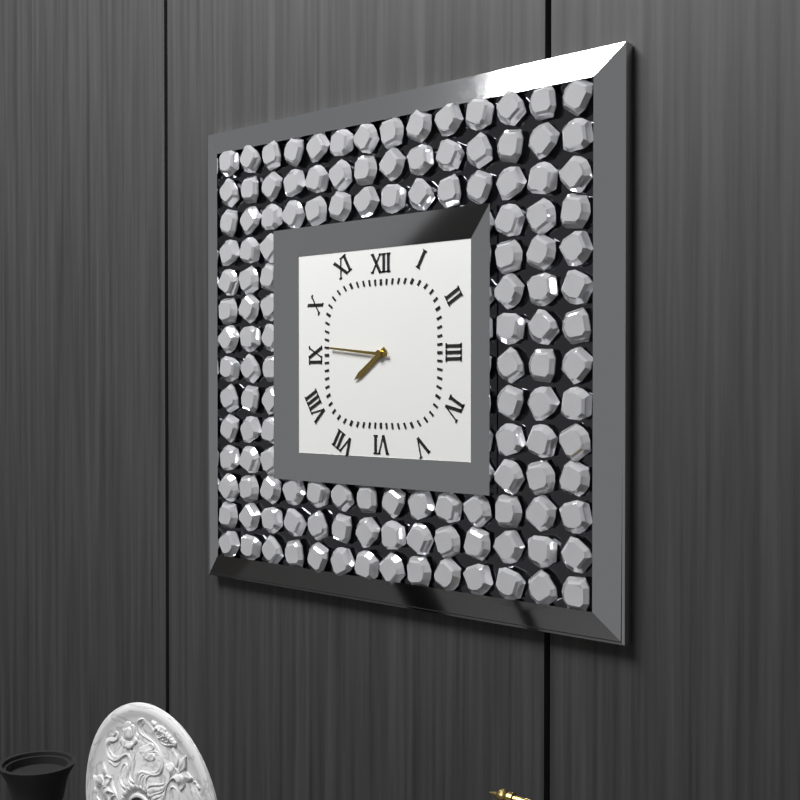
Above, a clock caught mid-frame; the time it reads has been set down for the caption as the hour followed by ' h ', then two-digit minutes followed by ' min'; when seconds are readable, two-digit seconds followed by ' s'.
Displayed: 7 h 46 min
